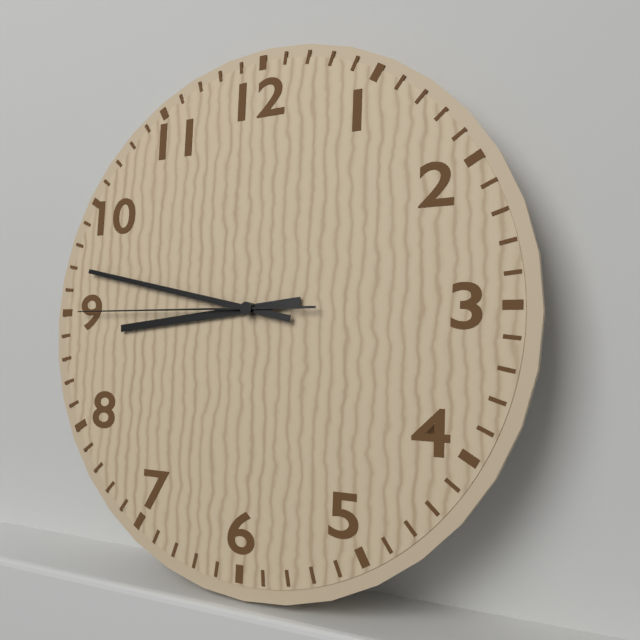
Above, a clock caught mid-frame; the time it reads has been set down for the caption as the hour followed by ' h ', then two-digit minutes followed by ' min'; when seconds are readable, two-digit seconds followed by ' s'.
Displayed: 8 h 47 min 45 s
